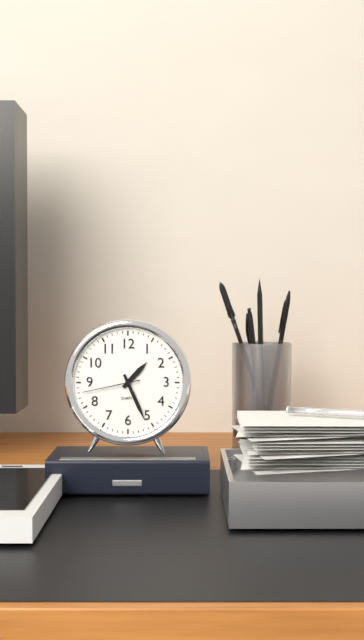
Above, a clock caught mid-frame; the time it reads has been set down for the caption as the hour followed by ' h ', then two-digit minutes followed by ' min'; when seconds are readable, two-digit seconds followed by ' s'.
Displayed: 1 h 26 min 43 s
